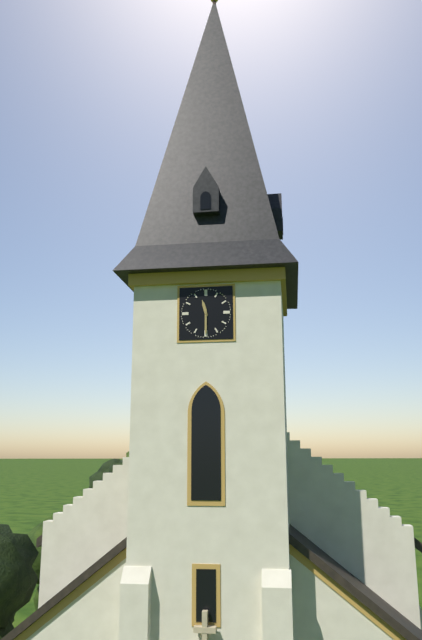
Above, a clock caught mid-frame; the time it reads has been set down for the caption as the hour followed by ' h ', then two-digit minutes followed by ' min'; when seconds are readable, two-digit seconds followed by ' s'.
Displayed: 11 h 30 min
